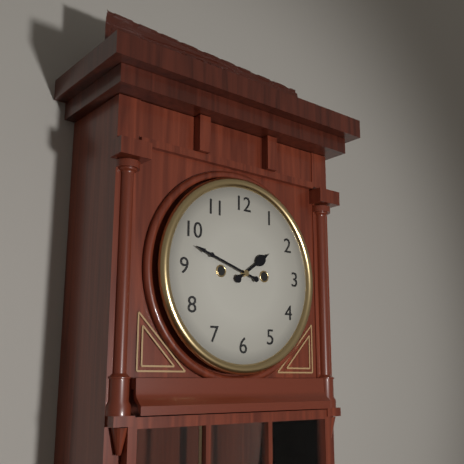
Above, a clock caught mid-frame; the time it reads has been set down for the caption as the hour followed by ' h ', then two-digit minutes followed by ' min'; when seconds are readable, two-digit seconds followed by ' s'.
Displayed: 1 h 48 min
